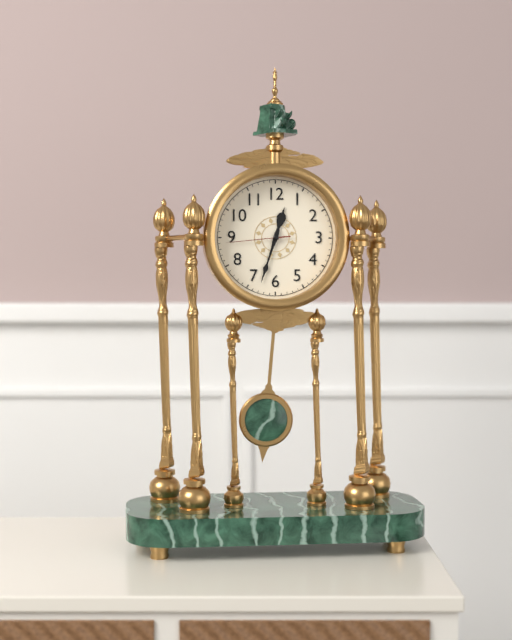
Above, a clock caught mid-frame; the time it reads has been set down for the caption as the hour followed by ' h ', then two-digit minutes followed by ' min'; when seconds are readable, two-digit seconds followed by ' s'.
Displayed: 12 h 33 min 44 s
